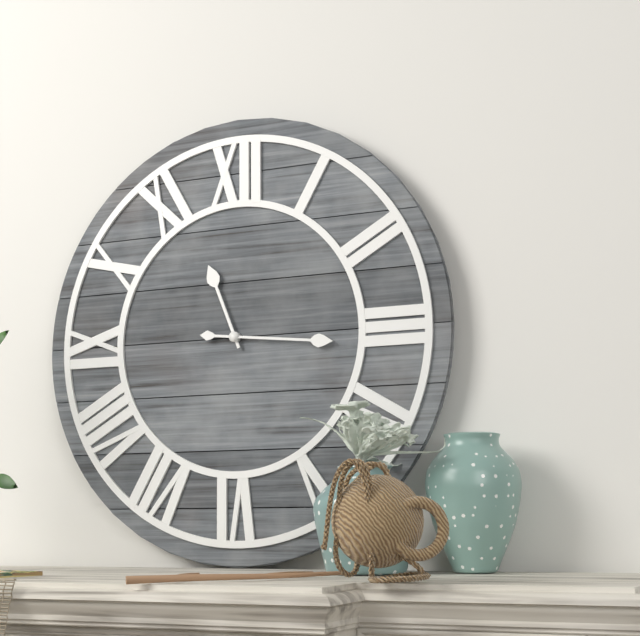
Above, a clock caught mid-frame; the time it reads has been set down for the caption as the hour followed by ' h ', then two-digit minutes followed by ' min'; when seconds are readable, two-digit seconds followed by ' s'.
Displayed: 11 h 16 min
